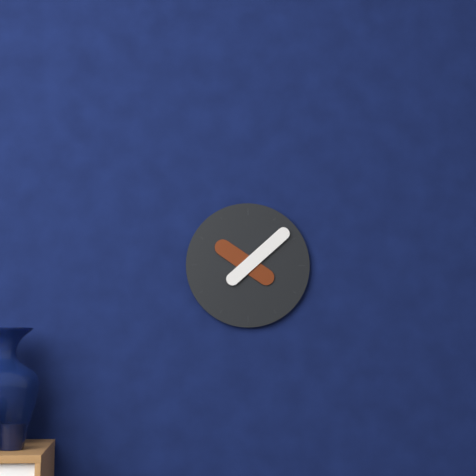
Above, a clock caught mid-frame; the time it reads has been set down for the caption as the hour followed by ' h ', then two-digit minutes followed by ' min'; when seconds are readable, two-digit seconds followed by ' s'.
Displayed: 10 h 08 min
